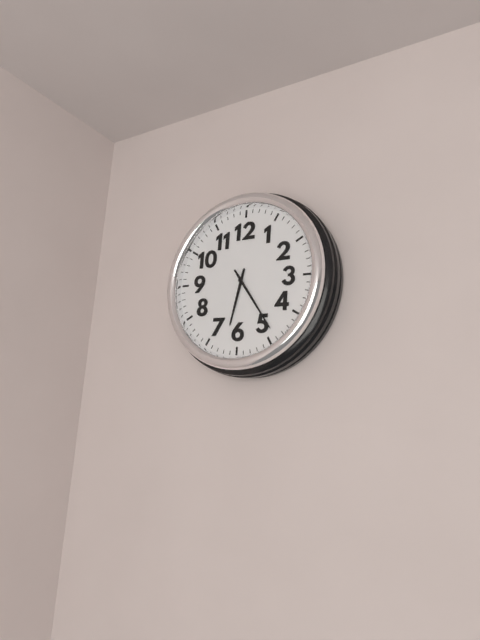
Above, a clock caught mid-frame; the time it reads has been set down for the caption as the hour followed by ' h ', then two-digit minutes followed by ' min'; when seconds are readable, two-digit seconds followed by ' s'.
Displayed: 6 h 24 min
